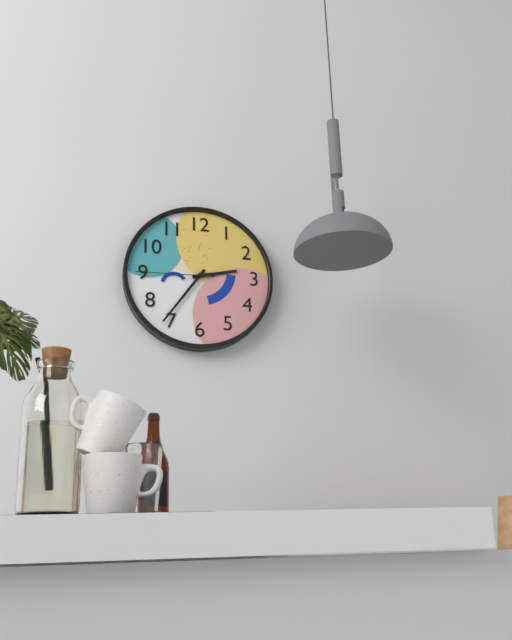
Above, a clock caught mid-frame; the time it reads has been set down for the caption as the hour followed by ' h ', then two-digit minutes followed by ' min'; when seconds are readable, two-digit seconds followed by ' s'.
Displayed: 2 h 36 min 45 s
